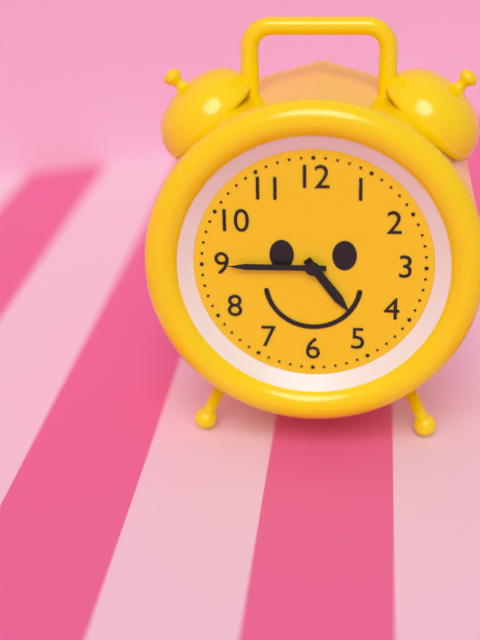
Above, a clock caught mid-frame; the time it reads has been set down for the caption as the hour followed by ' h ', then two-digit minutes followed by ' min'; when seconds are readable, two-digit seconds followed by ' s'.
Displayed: 4 h 45 min
